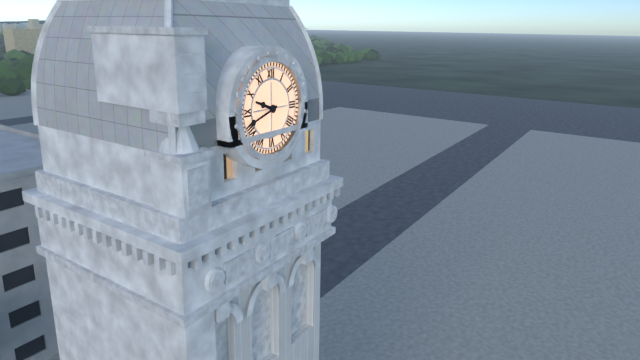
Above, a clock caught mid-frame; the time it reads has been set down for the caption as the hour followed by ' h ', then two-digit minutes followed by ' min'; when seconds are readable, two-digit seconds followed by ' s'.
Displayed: 9 h 42 min
